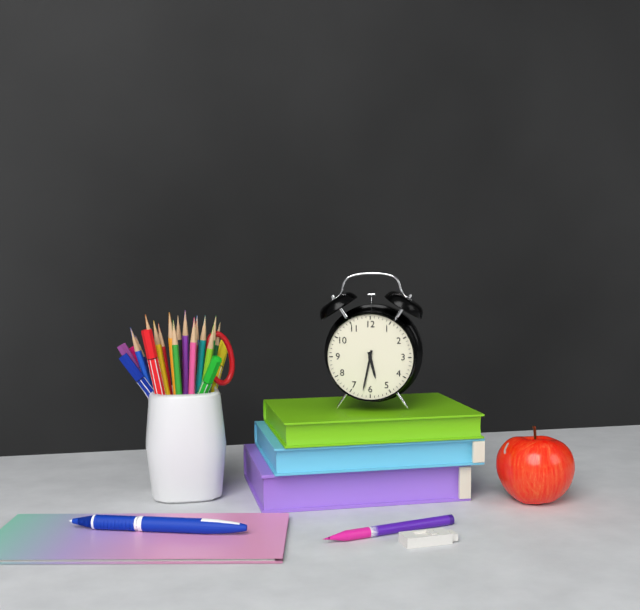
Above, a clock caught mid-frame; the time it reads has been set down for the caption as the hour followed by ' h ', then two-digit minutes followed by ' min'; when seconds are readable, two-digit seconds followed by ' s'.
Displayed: 5 h 32 min
